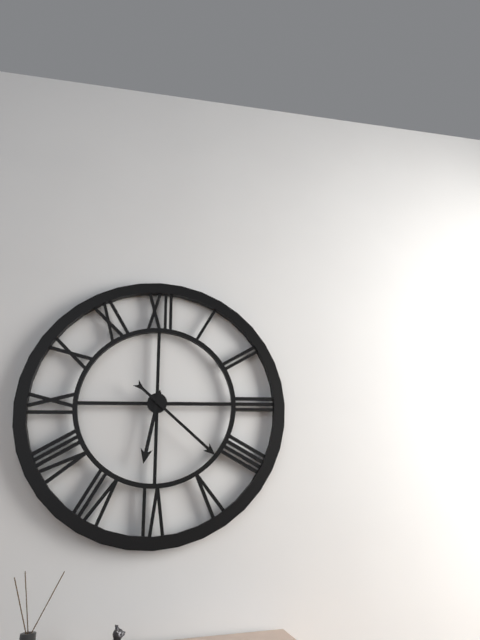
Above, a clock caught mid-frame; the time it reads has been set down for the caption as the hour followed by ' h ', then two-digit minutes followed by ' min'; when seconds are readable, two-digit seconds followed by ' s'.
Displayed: 6 h 22 min
